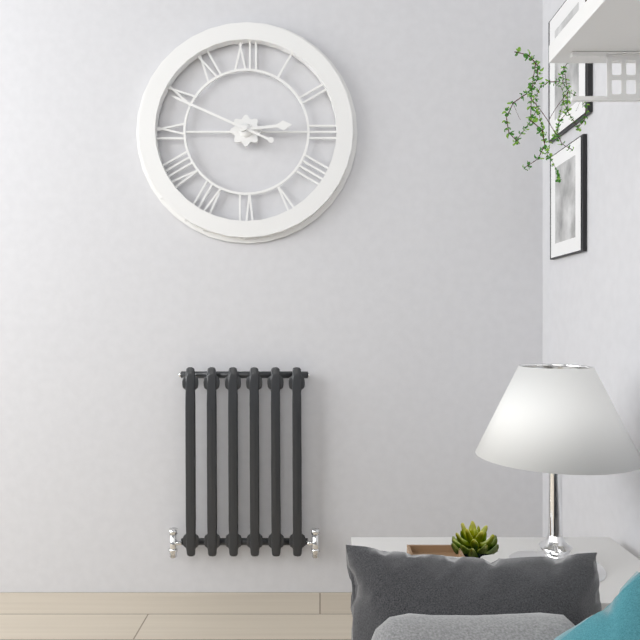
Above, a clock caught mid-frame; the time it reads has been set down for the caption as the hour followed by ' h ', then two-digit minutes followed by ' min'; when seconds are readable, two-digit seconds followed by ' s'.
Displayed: 2 h 49 min
